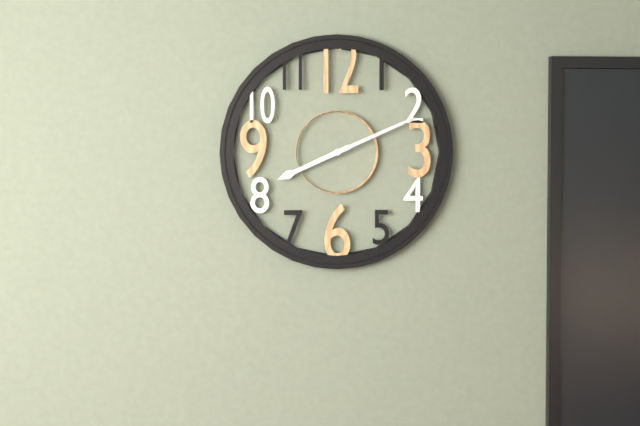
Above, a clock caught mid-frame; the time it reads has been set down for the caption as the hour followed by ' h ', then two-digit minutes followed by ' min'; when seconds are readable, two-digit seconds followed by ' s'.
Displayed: 8 h 11 min
